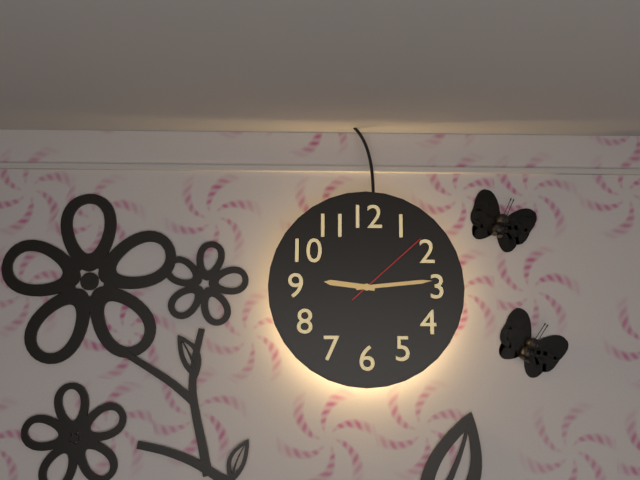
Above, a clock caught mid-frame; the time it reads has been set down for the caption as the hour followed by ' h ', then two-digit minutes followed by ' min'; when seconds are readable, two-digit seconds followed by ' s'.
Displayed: 9 h 14 min 08 s
